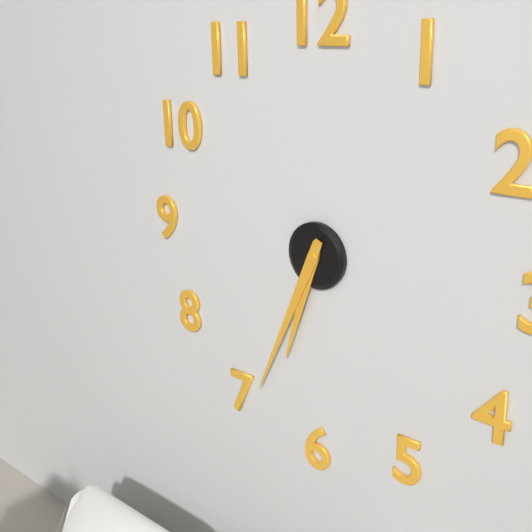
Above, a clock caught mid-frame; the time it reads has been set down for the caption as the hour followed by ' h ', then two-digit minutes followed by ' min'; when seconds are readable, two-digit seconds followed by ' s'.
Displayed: 6 h 34 min
